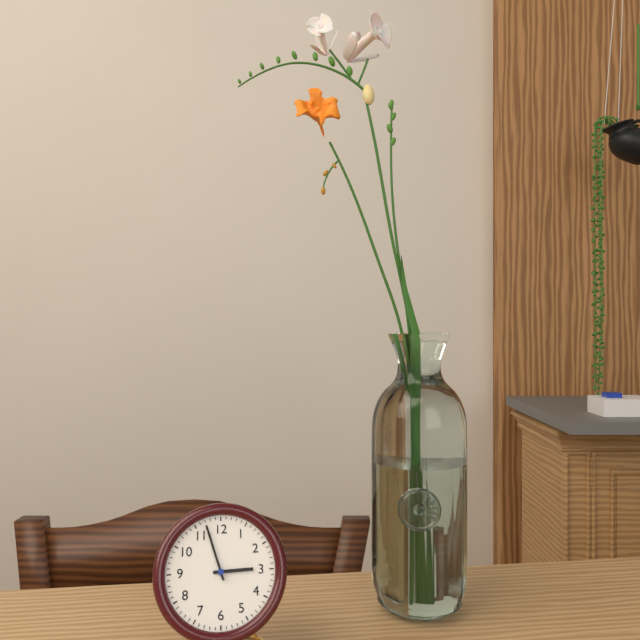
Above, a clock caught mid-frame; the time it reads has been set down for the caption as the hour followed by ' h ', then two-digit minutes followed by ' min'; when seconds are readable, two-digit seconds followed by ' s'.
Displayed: 2 h 57 min
